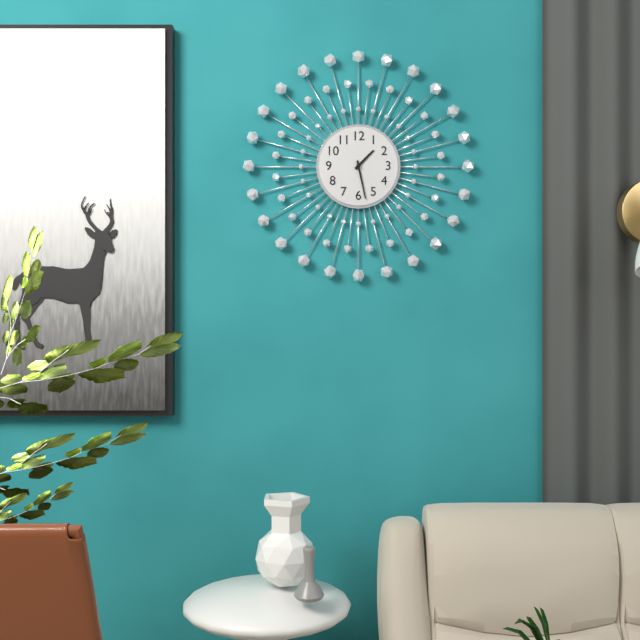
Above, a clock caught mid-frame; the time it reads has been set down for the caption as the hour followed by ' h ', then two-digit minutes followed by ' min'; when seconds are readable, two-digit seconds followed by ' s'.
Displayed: 1 h 28 min
